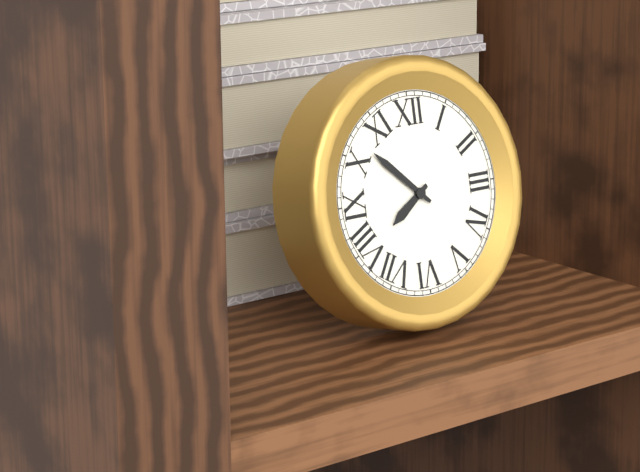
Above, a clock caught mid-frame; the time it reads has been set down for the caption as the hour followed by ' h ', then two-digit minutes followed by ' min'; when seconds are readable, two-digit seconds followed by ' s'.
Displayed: 7 h 52 min
